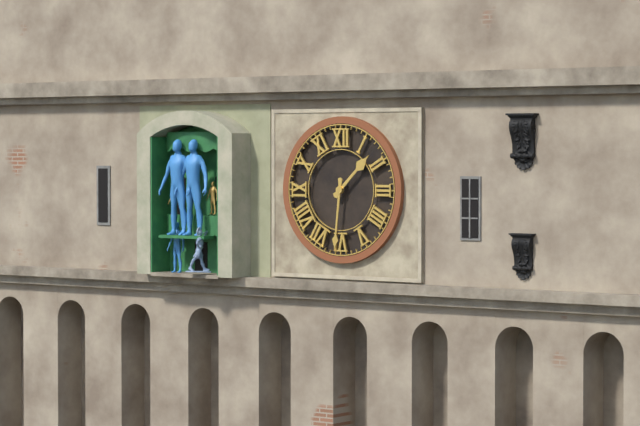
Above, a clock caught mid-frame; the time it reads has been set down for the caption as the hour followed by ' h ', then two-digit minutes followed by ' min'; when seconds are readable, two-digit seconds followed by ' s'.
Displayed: 1 h 31 min
